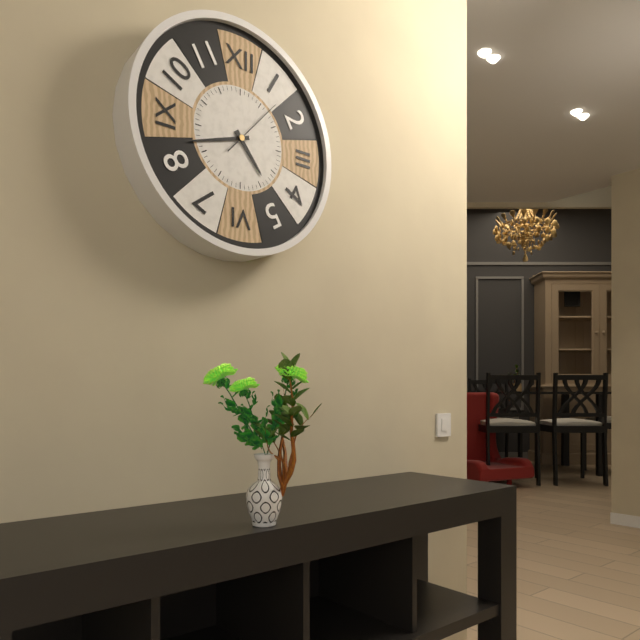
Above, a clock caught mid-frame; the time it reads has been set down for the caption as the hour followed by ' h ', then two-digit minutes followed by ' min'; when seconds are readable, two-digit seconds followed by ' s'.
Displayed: 4 h 42 min 07 s
